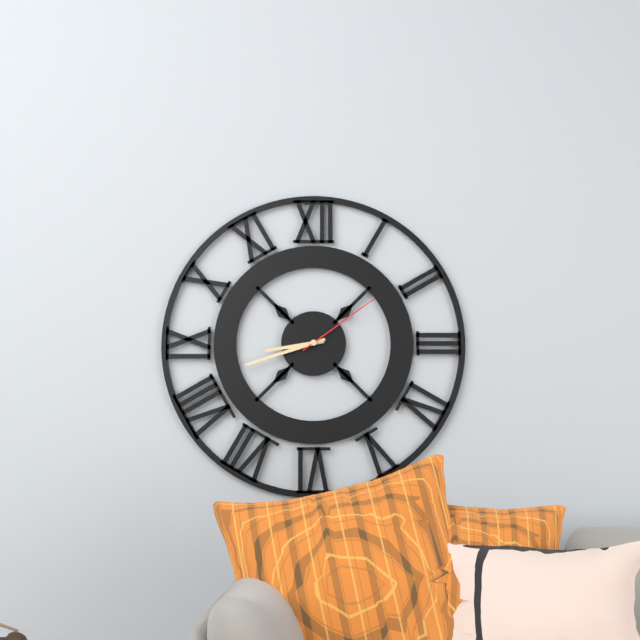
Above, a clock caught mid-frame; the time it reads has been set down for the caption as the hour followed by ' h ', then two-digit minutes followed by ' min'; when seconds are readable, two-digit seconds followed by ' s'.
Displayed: 8 h 42 min 09 s
